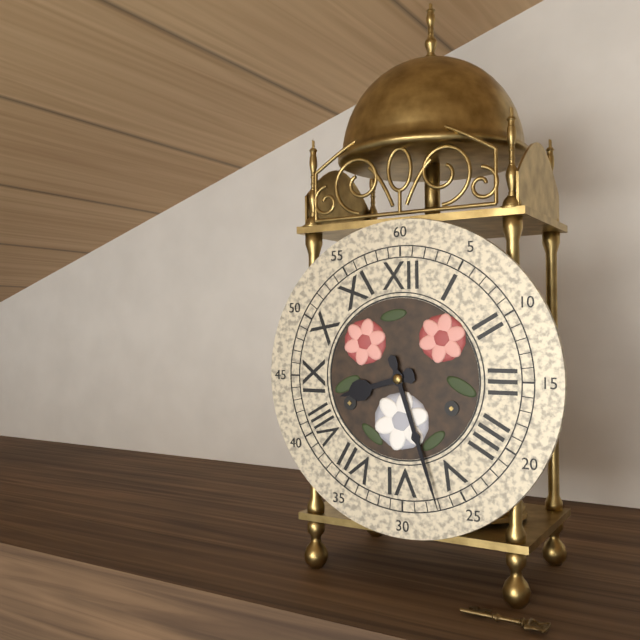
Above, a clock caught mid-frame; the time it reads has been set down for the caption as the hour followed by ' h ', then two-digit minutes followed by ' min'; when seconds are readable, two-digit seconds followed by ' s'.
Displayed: 8 h 27 min
